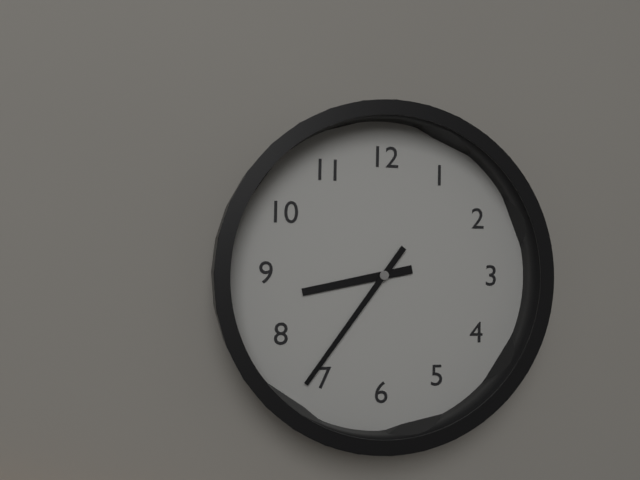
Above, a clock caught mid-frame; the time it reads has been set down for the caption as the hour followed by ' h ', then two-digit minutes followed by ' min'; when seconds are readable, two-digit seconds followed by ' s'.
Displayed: 8 h 36 min
